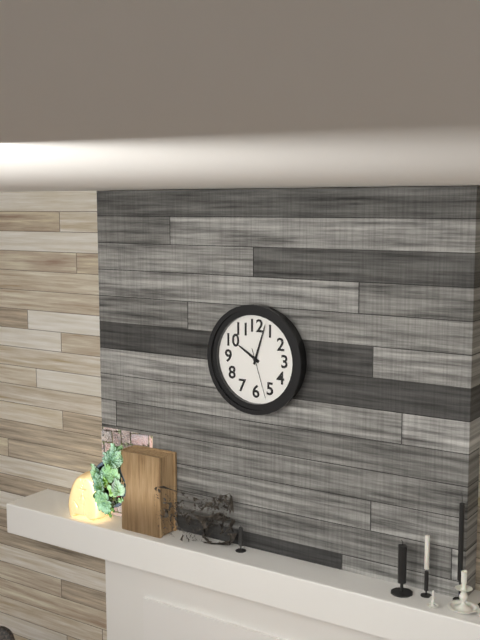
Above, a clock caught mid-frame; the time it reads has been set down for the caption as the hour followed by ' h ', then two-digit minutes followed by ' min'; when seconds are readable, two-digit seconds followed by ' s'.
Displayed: 10 h 03 min 27 s
